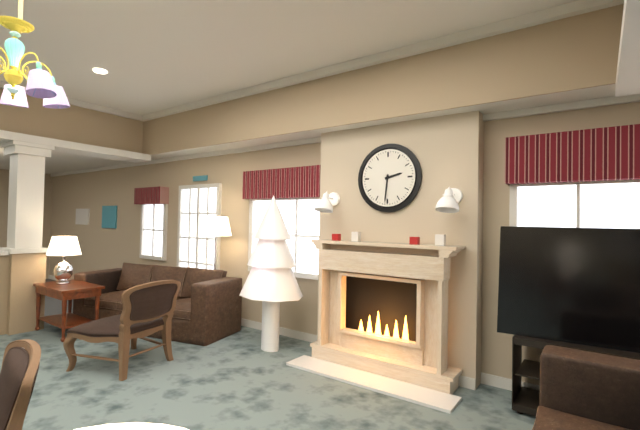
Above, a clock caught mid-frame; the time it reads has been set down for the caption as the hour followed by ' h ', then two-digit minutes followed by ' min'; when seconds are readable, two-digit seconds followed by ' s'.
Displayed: 2 h 31 min
